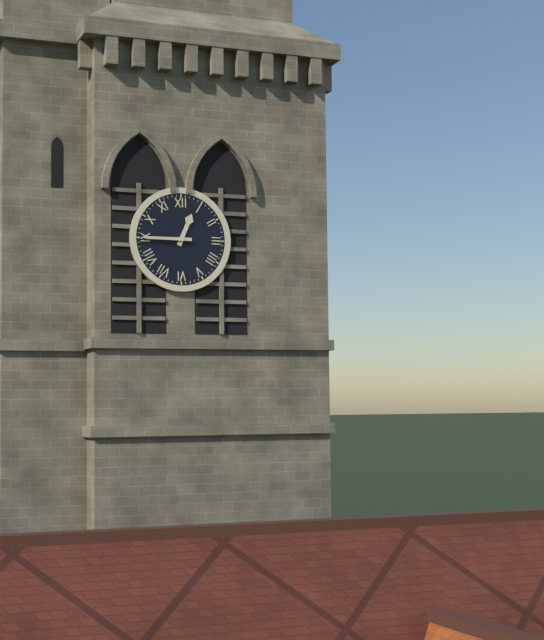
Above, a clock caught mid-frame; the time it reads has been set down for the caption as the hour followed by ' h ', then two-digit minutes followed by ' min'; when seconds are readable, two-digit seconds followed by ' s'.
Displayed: 12 h 45 min
